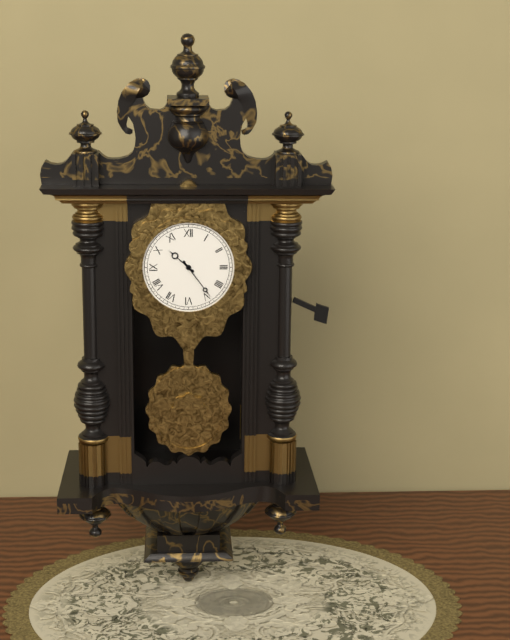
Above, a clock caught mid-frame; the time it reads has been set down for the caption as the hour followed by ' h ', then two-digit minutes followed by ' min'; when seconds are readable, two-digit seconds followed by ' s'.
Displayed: 10 h 24 min
